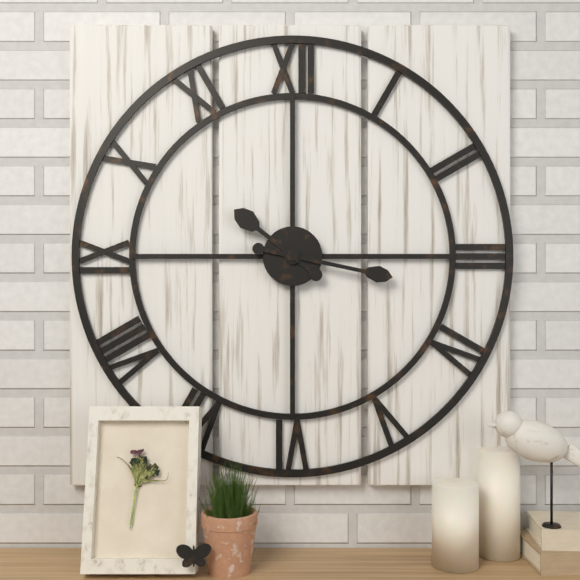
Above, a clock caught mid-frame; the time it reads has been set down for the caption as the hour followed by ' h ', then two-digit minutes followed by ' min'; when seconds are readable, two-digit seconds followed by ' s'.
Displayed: 10 h 17 min
